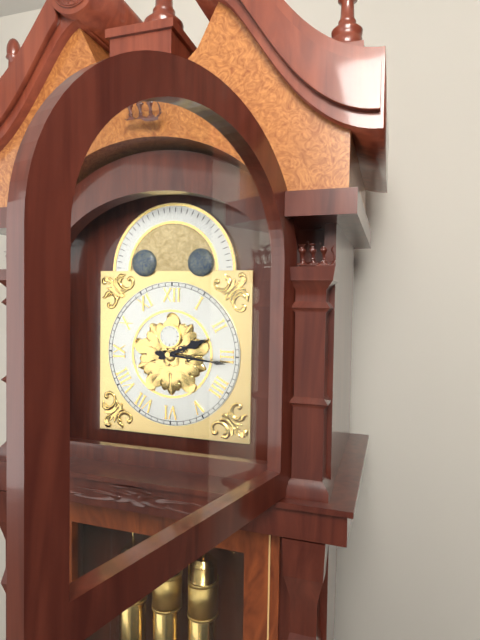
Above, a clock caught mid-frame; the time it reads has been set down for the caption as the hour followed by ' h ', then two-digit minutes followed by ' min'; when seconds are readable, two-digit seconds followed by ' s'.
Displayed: 2 h 16 min
